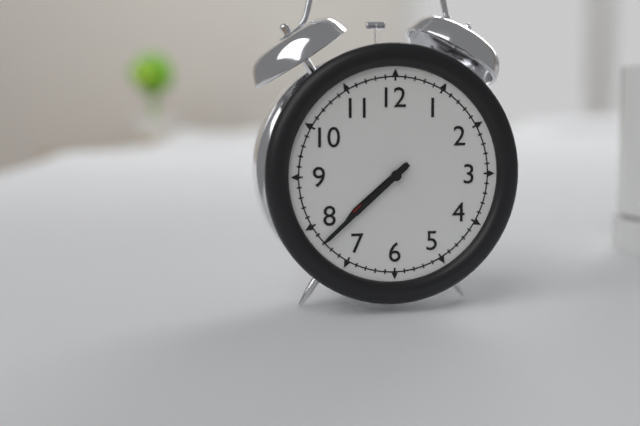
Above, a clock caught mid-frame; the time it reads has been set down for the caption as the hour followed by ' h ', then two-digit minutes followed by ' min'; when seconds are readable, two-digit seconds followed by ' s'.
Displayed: 7 h 38 min
